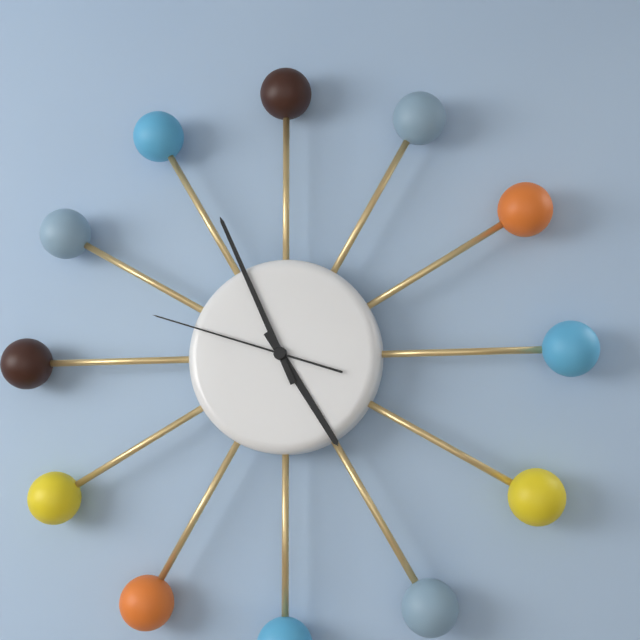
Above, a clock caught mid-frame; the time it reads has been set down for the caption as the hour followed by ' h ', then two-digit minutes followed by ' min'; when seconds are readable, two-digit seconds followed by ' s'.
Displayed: 4 h 56 min 48 s
